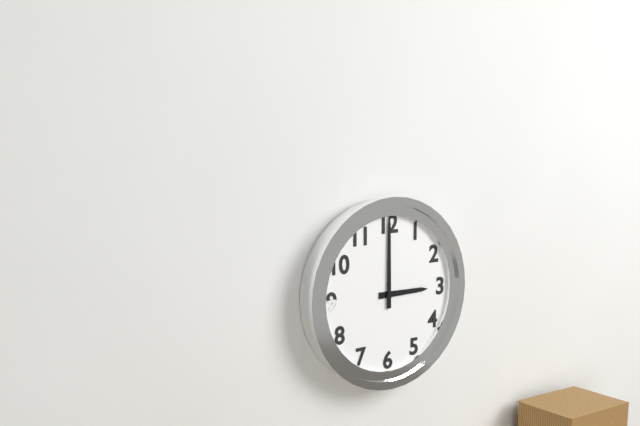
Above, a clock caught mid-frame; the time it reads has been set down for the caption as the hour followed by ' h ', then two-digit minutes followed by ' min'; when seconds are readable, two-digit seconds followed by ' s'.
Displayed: 3 h 00 min
